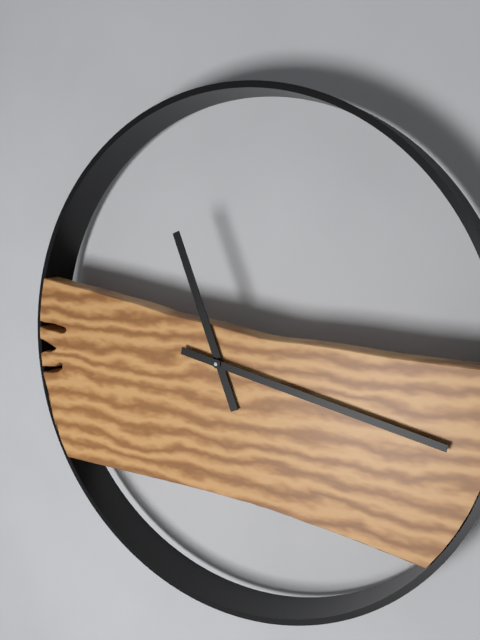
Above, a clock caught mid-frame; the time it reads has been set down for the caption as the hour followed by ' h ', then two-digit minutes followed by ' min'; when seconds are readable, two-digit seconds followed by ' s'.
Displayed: 11 h 17 min
